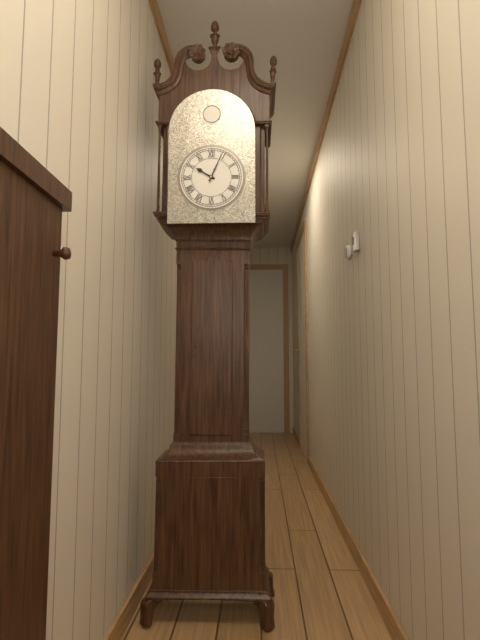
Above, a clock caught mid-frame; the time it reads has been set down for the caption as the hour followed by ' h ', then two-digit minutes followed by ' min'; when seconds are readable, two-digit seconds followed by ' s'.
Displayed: 10 h 04 min
